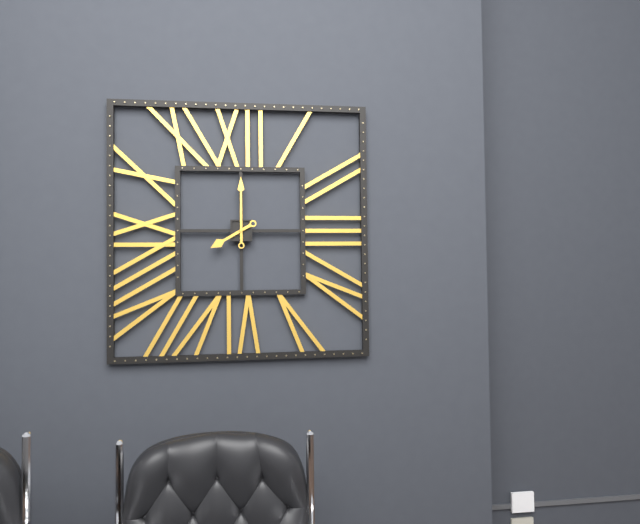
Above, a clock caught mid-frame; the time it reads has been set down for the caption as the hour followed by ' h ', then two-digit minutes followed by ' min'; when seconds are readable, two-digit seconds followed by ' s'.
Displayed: 8 h 00 min
